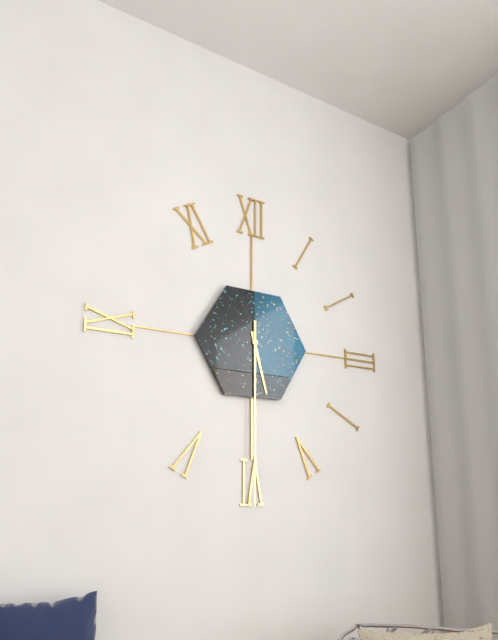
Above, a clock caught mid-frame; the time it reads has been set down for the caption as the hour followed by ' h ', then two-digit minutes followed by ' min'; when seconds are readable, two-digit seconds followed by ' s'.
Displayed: 5 h 30 min
